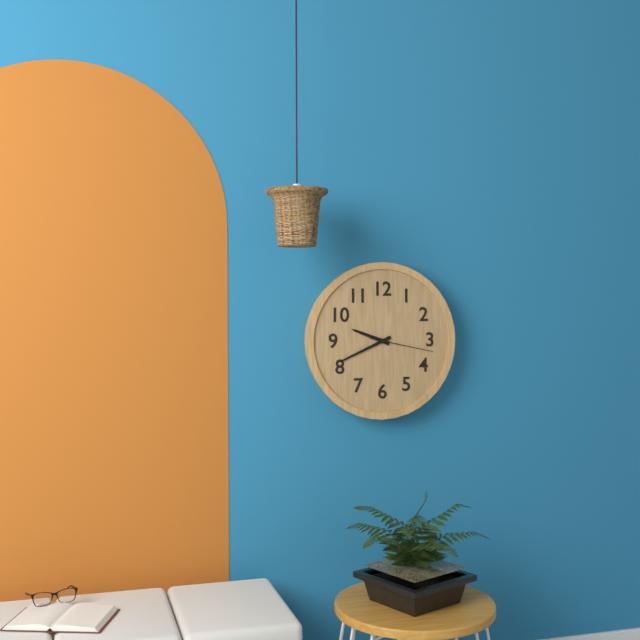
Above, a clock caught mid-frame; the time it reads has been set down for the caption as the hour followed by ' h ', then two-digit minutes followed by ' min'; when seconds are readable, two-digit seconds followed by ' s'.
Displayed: 9 h 41 min 17 s
